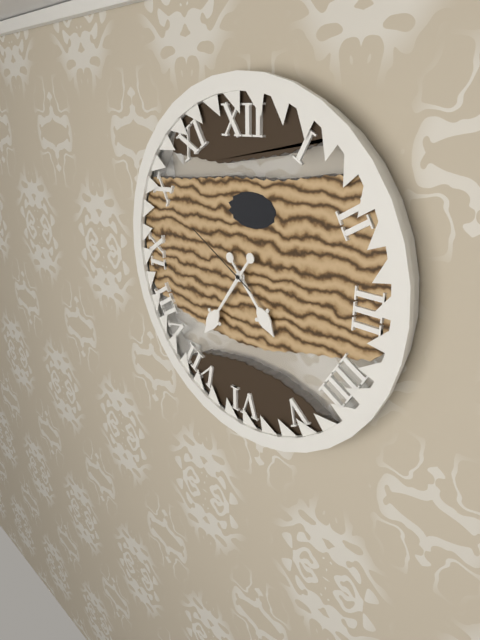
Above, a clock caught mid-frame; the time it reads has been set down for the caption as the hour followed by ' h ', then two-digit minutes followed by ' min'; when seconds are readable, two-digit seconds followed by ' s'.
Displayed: 4 h 36 min 50 s
